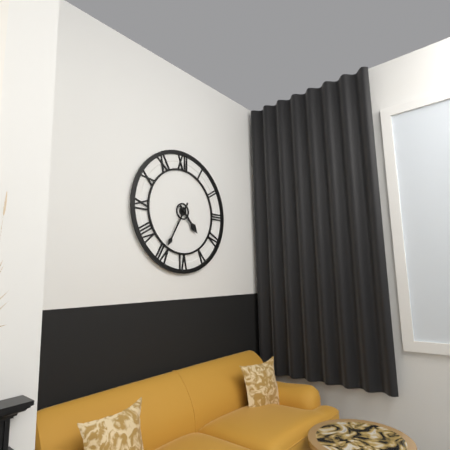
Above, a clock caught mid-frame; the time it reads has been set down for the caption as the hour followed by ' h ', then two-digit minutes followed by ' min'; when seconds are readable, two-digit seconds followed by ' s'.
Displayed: 4 h 35 min
